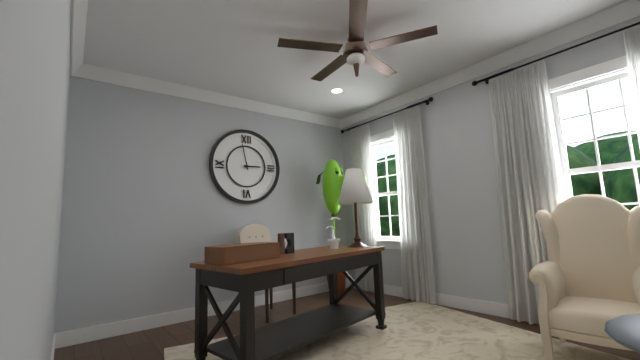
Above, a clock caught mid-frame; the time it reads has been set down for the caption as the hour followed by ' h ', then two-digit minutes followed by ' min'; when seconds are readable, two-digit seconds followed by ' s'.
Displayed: 2 h 58 min
